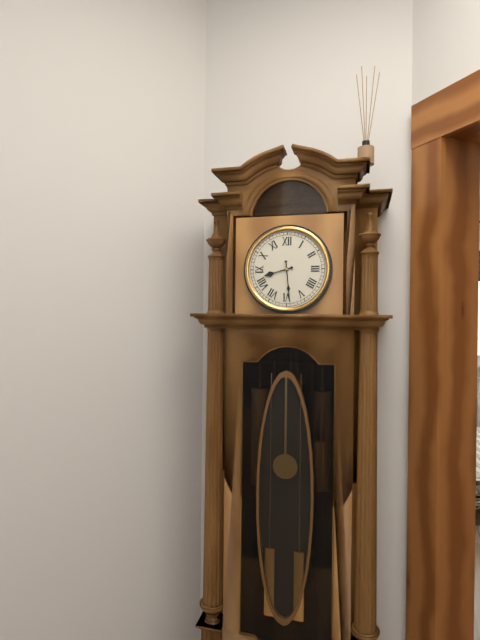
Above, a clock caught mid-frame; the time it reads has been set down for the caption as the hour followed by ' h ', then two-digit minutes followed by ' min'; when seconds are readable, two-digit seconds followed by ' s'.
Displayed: 8 h 29 min
